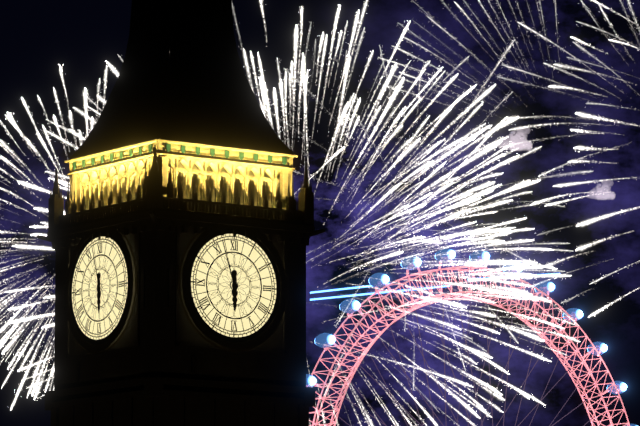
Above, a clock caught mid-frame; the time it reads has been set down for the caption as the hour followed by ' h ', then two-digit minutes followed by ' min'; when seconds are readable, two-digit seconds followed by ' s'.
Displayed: 5 h 57 min
